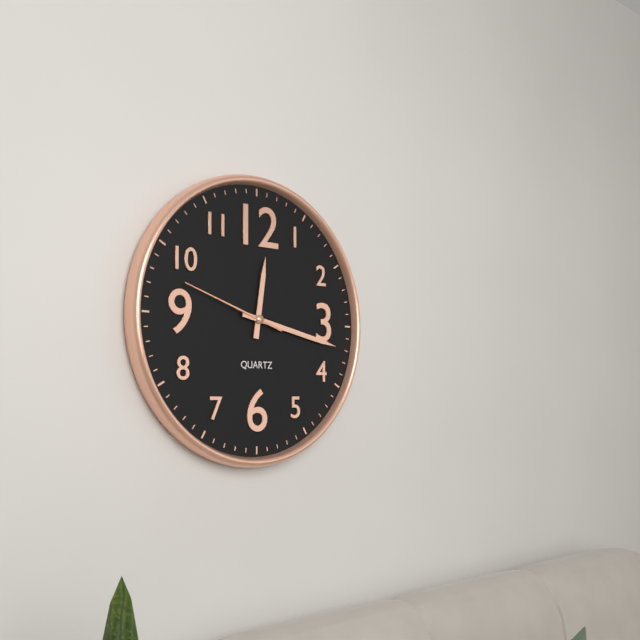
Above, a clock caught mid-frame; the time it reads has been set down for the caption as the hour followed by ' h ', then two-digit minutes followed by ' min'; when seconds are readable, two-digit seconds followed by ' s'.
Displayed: 12 h 17 min 48 s
